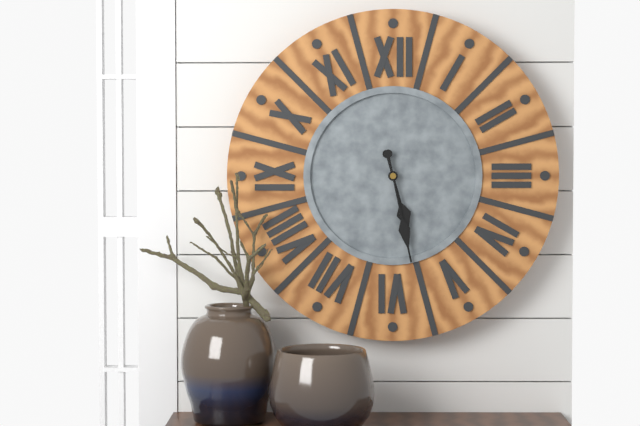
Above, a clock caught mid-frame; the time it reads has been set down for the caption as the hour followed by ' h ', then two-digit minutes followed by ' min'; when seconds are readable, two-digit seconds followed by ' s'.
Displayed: 5 h 28 min
